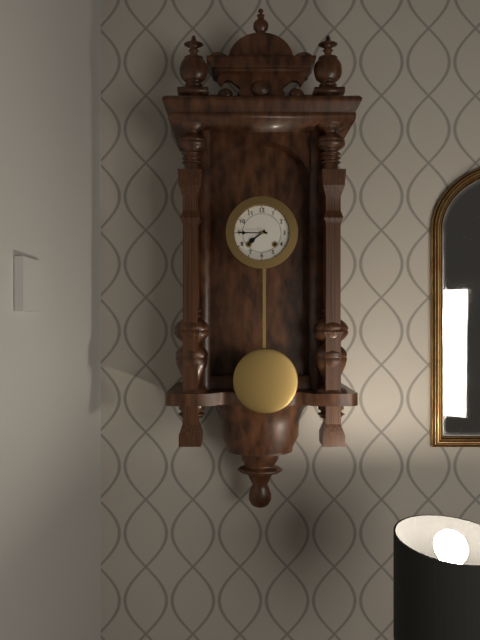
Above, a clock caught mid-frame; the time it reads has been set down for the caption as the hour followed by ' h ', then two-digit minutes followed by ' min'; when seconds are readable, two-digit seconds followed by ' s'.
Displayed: 7 h 45 min
